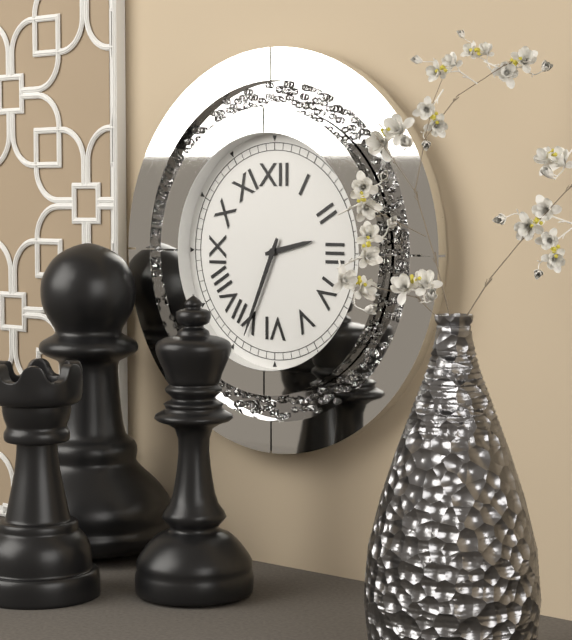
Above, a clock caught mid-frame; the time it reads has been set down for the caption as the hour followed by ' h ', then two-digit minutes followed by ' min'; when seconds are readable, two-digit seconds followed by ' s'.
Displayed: 2 h 34 min
